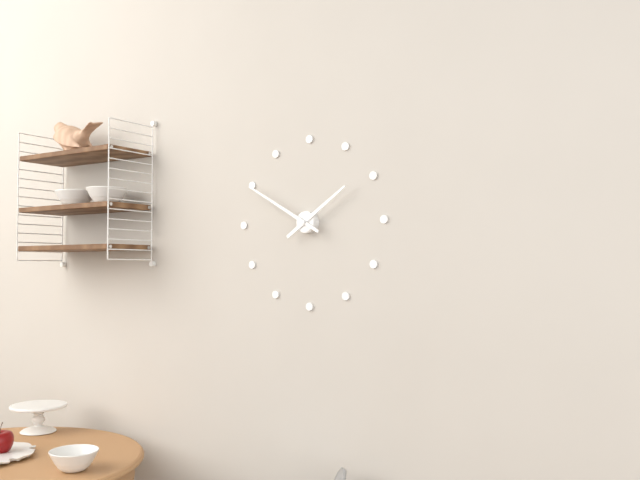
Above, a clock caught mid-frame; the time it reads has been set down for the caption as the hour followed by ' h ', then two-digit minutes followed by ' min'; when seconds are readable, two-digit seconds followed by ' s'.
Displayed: 1 h 50 min
